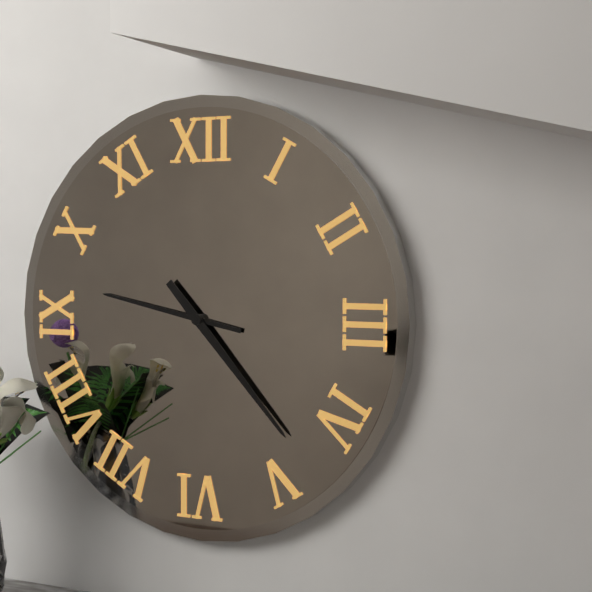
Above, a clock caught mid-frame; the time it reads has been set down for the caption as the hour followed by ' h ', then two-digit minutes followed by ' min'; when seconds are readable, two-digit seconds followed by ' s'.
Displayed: 9 h 23 min
